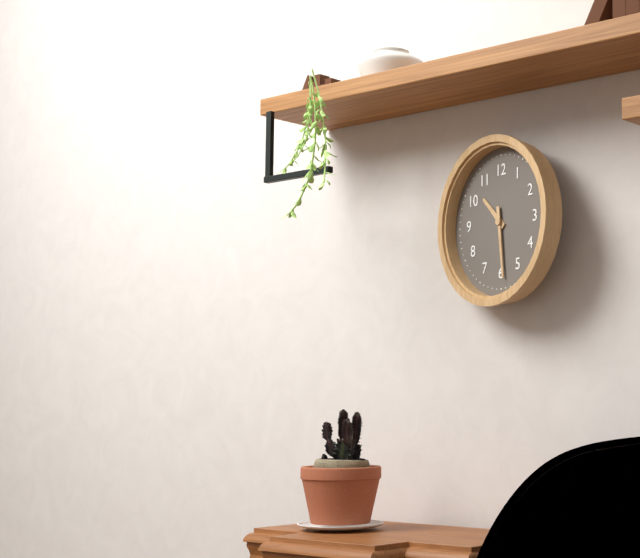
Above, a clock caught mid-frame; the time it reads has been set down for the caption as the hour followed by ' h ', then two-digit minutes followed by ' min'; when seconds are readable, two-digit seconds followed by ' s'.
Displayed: 10 h 29 min
